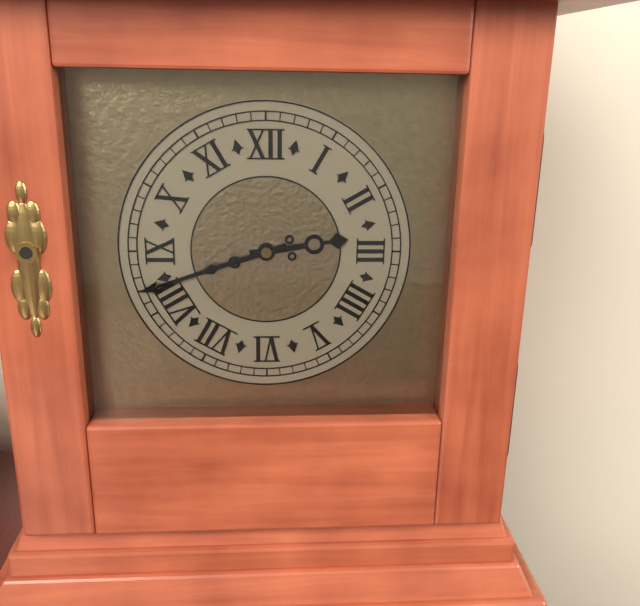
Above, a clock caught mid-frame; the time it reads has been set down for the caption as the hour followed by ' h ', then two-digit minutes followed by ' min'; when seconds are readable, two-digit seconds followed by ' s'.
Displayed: 2 h 42 min
